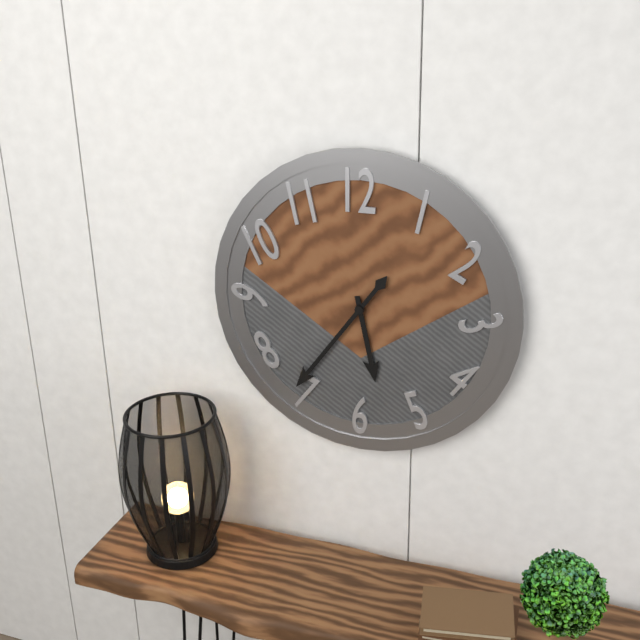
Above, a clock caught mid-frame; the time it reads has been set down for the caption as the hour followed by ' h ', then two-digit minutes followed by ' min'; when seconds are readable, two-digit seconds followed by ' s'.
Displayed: 5 h 36 min
